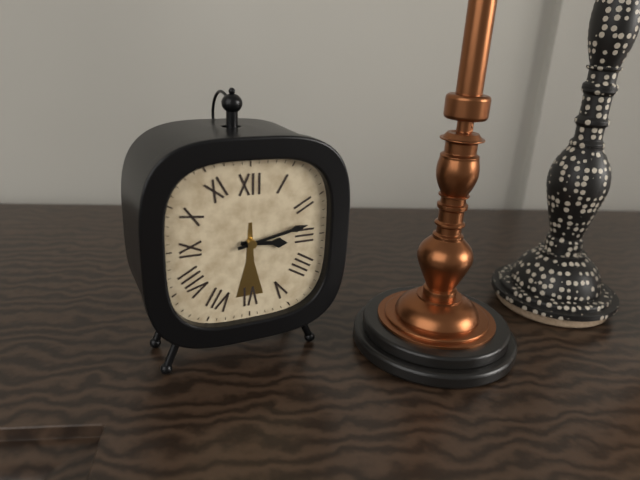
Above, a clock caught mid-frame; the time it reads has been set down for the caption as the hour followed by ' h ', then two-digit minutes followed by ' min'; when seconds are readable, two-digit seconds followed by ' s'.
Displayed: 3 h 13 min
